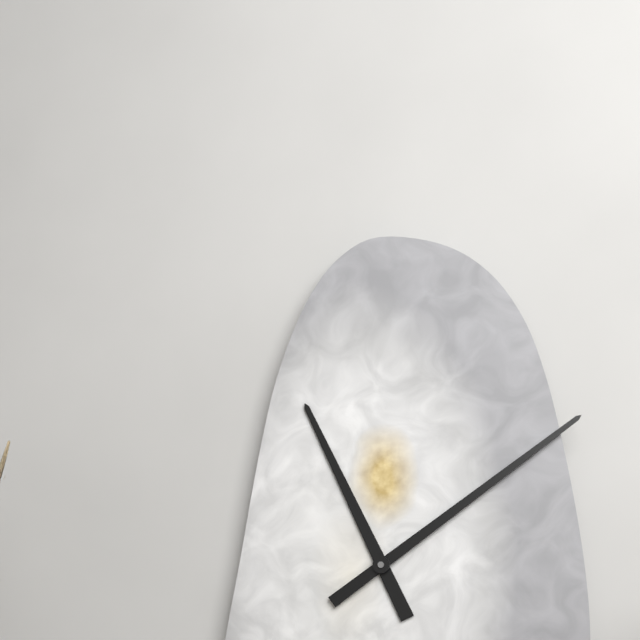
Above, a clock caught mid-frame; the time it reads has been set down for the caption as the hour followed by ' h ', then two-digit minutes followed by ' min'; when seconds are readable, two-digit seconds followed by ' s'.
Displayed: 11 h 09 min
